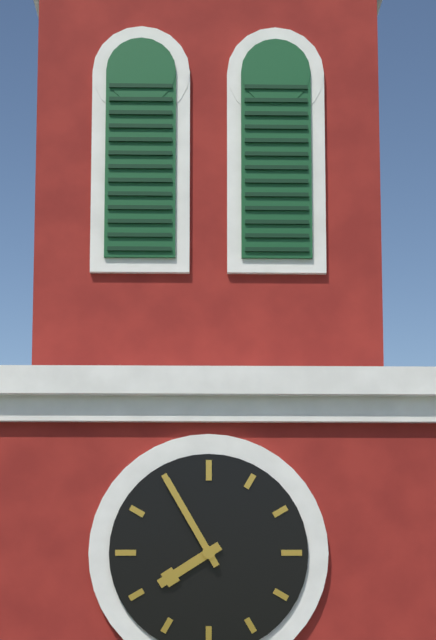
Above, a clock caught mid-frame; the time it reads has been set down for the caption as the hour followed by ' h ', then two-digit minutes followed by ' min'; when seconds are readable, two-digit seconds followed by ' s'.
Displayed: 7 h 55 min
